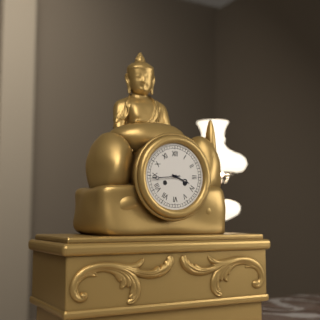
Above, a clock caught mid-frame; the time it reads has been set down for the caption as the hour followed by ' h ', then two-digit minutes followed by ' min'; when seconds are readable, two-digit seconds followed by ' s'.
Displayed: 3 h 44 min
